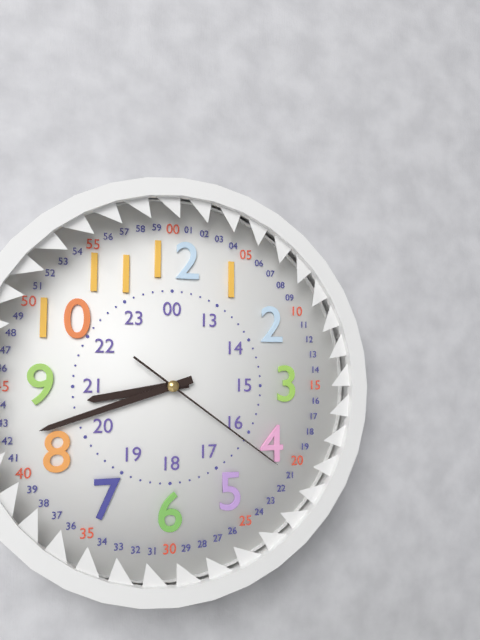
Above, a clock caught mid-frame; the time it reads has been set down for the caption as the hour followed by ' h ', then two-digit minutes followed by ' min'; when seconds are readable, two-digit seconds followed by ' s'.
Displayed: 8 h 42 min 21 s
